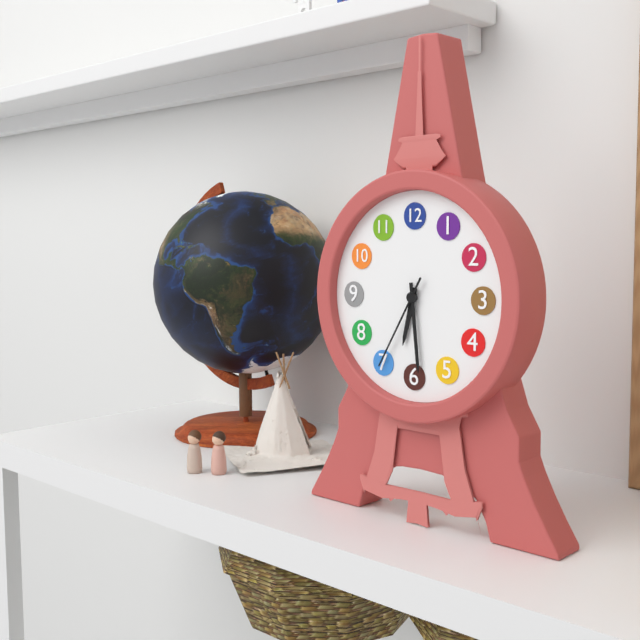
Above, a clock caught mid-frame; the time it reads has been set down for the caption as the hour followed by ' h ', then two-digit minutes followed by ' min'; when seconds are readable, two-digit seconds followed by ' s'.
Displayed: 6 h 29 min 35 s
